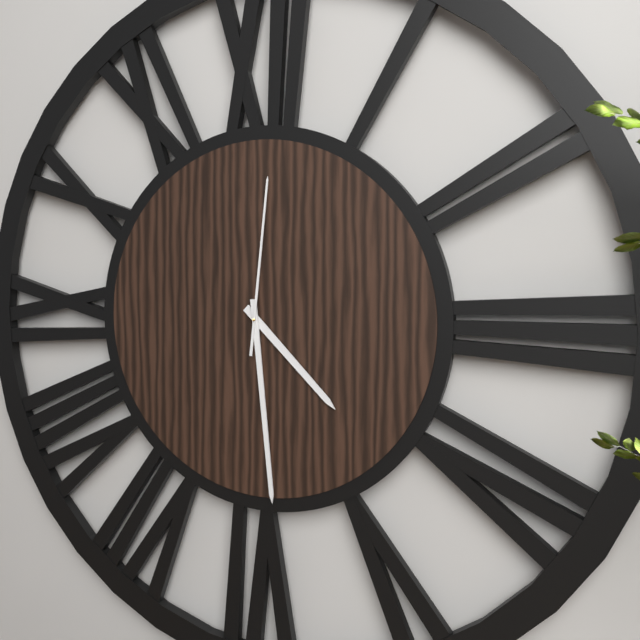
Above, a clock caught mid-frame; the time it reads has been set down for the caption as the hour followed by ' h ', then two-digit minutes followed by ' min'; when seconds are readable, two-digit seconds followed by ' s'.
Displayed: 4 h 29 min 01 s
